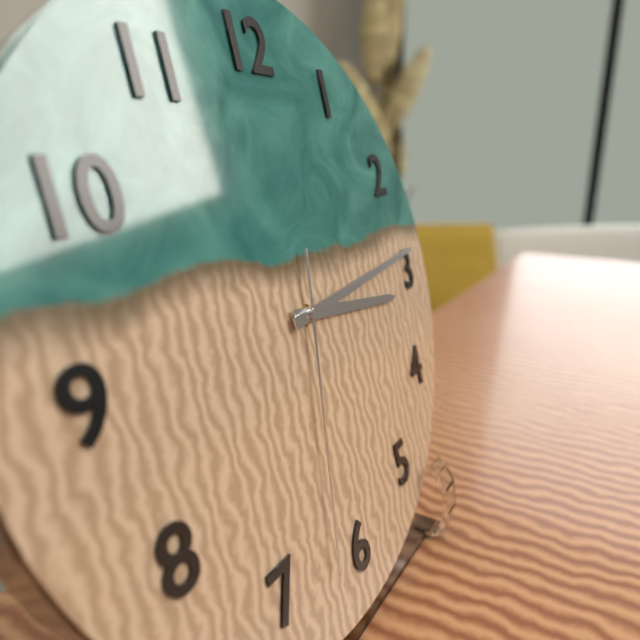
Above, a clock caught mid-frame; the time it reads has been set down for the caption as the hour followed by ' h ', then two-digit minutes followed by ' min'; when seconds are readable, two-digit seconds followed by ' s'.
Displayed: 3 h 14 min 32 s
